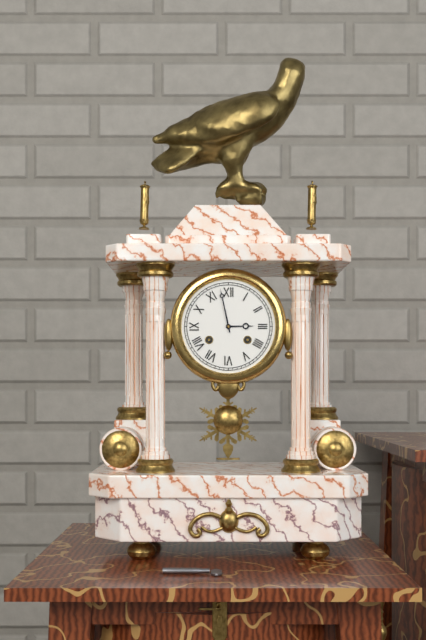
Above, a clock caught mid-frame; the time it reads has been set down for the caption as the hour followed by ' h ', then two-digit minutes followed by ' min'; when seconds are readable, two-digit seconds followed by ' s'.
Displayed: 2 h 58 min
